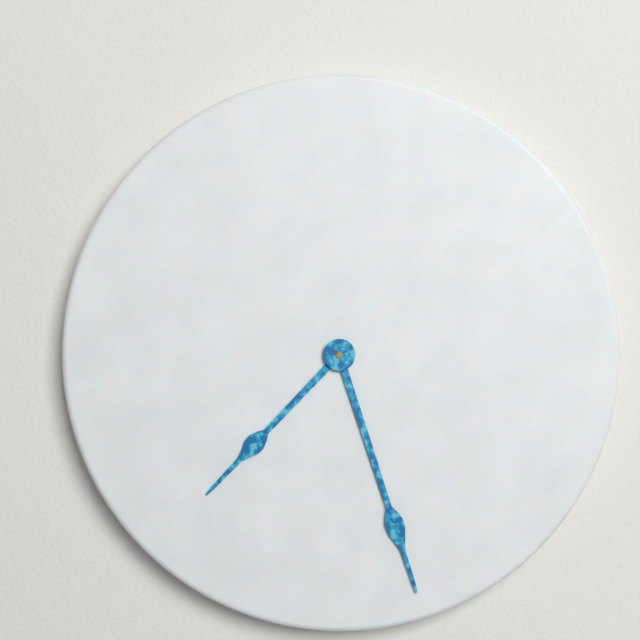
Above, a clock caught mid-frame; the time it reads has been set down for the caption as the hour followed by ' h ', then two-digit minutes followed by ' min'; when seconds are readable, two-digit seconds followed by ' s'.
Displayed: 7 h 27 min
